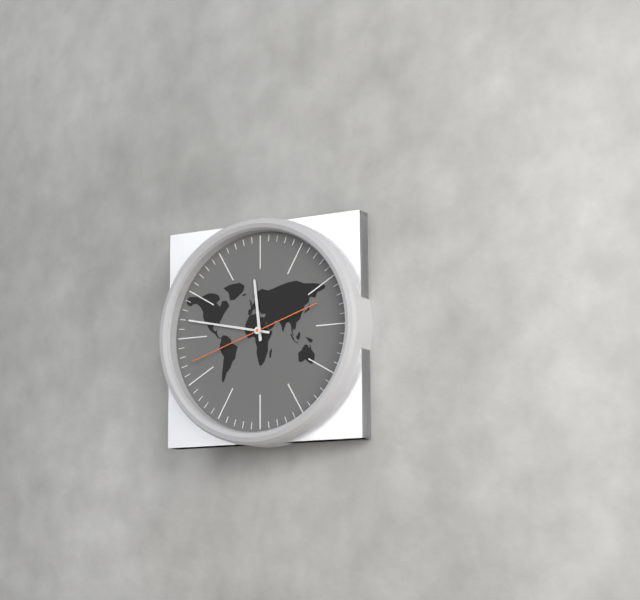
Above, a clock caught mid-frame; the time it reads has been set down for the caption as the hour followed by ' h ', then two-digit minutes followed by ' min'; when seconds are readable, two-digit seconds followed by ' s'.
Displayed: 11 h 47 min 42 s
